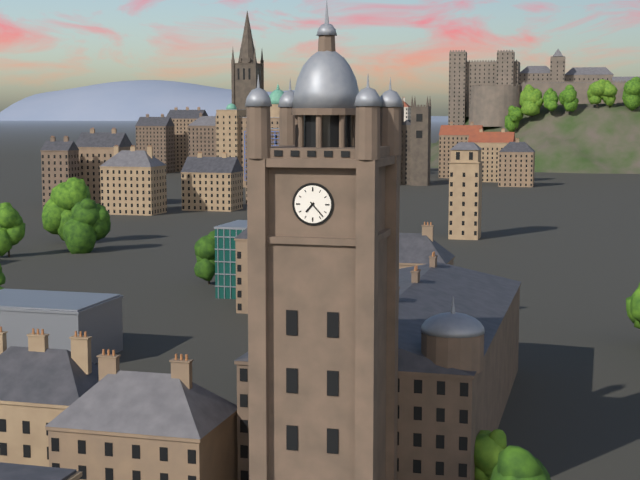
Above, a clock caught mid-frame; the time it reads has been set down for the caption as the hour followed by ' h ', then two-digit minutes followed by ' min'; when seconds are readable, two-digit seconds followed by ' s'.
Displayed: 7 h 23 min
